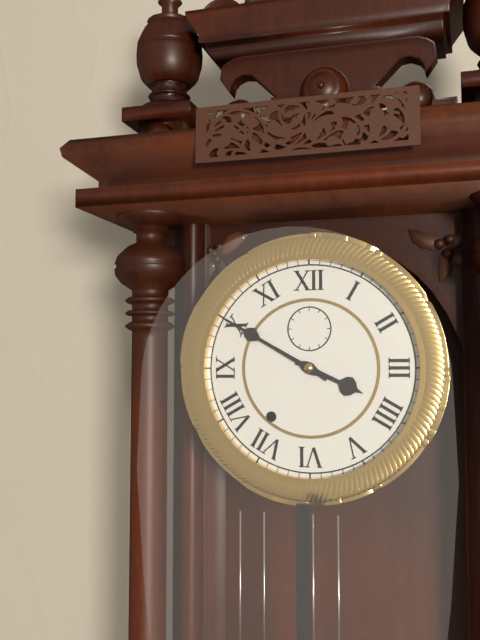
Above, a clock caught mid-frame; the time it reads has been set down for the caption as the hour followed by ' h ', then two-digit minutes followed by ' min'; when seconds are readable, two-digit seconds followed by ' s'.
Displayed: 3 h 50 min
